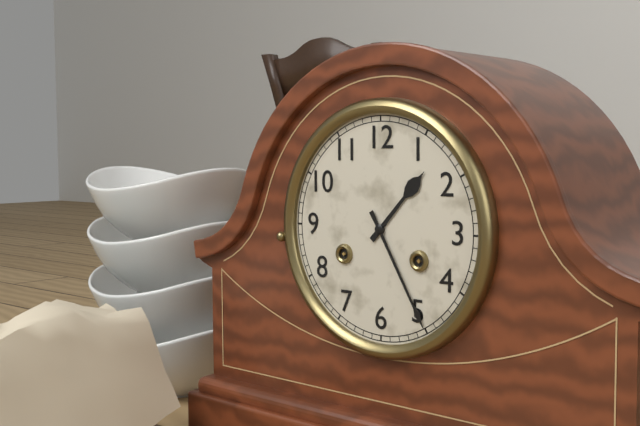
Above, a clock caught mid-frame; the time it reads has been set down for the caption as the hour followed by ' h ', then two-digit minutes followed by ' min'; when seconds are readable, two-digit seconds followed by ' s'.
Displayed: 1 h 25 min
